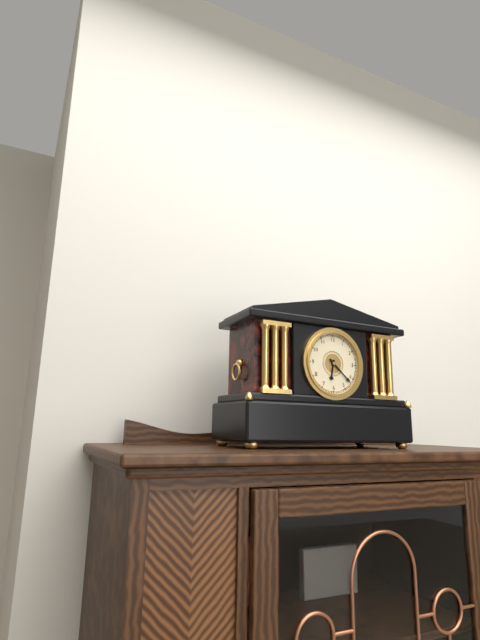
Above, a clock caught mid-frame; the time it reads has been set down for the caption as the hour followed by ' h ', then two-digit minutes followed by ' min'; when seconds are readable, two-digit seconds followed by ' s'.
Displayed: 6 h 22 min
